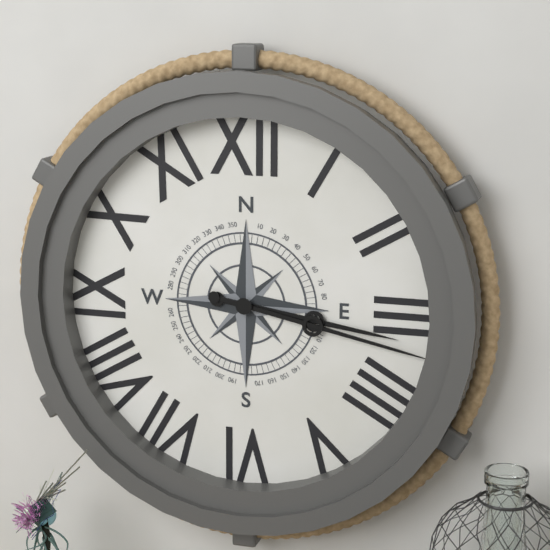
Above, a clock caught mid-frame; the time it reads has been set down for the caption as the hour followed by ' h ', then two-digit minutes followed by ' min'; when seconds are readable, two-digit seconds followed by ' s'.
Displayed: 3 h 17 min
